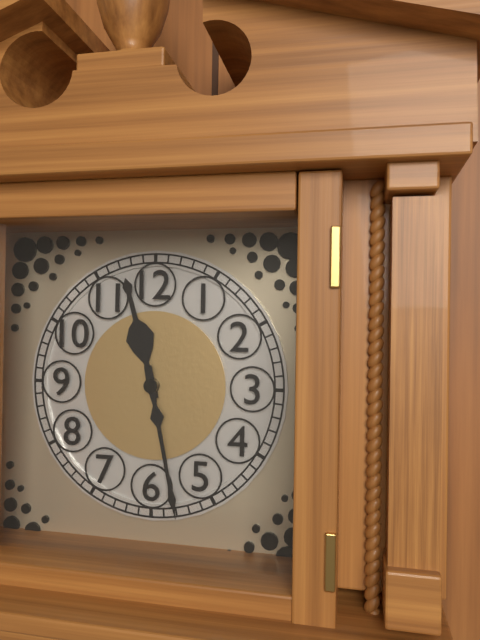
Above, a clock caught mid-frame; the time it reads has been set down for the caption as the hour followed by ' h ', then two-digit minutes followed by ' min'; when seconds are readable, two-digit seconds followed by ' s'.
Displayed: 11 h 28 min
